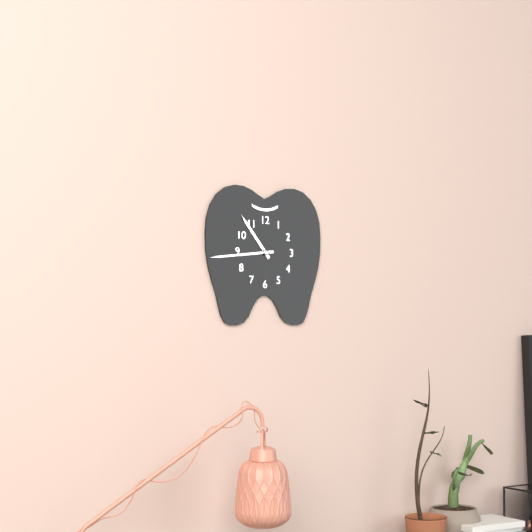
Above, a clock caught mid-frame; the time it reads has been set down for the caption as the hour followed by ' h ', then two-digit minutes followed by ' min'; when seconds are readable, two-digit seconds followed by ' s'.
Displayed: 10 h 44 min
